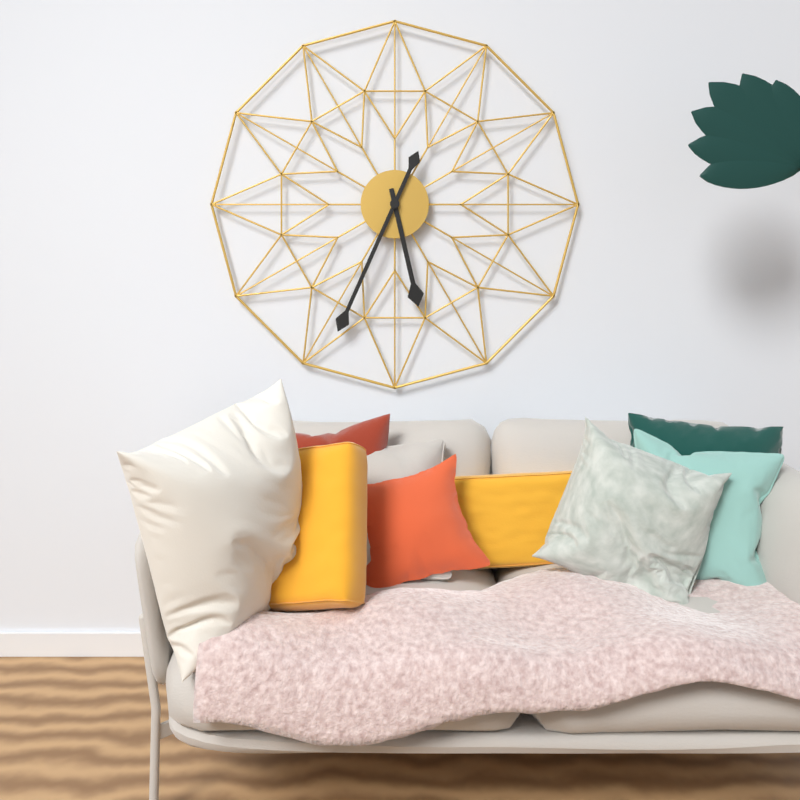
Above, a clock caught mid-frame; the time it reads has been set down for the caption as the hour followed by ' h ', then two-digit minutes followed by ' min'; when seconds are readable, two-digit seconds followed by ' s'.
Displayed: 5 h 34 min
